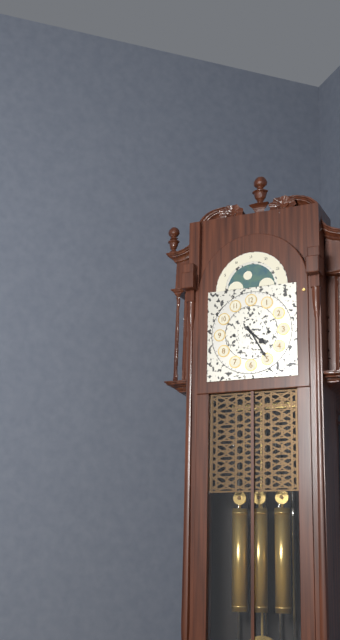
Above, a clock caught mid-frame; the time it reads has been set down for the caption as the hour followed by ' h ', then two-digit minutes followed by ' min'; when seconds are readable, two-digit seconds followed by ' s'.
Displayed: 4 h 25 min
